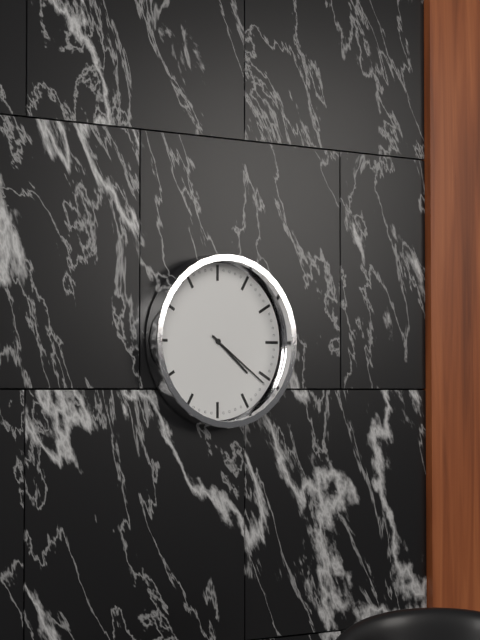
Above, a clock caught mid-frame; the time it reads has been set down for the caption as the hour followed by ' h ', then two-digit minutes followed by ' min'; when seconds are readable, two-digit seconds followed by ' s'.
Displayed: 4 h 21 min
